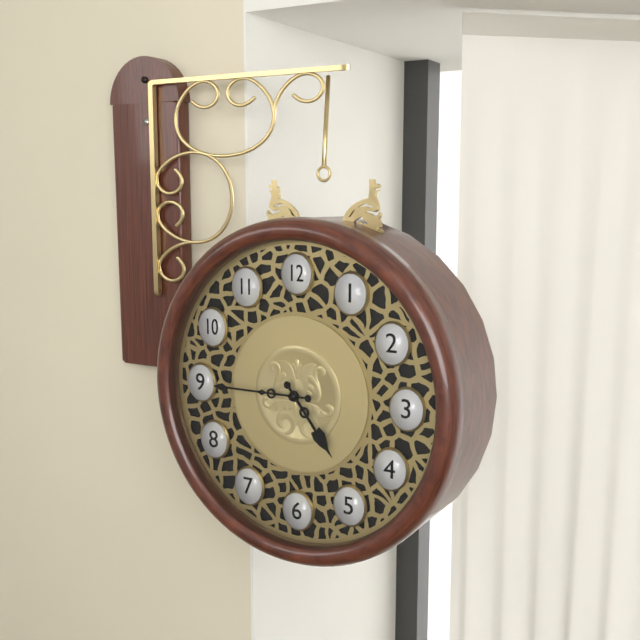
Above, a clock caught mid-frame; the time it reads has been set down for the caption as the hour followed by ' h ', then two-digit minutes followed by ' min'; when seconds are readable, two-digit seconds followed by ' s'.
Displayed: 4 h 45 min
